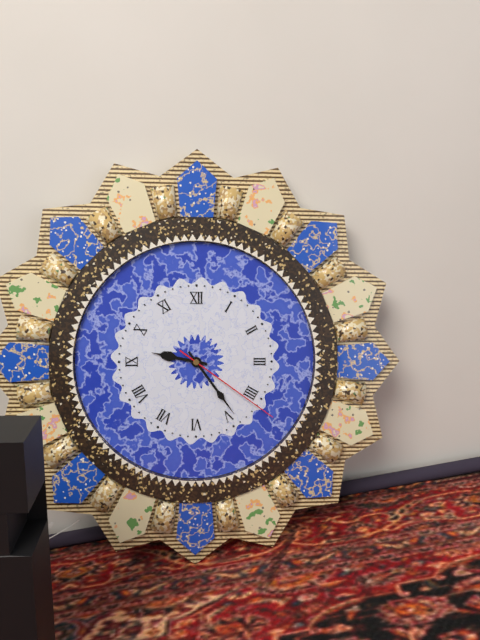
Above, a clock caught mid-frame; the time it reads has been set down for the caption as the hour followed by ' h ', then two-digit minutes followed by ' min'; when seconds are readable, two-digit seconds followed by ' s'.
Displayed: 9 h 24 min 21 s
